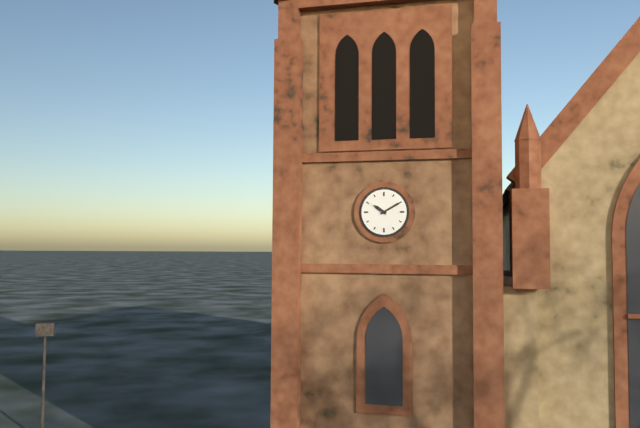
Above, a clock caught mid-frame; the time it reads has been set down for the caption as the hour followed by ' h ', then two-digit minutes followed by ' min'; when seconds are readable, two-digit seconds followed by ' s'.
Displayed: 10 h 10 min
